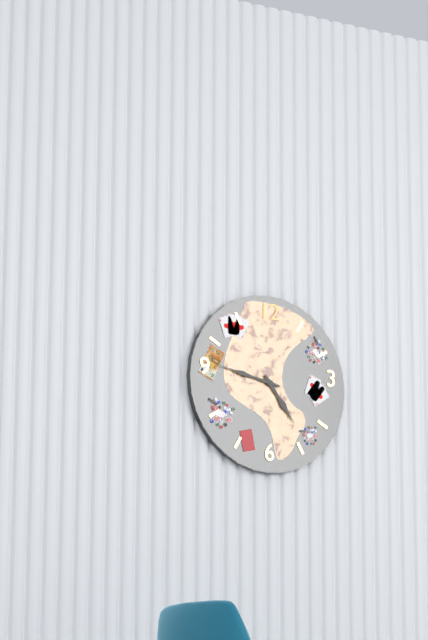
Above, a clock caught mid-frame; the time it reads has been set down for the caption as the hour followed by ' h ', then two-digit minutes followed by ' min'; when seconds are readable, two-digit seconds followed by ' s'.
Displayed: 4 h 47 min
